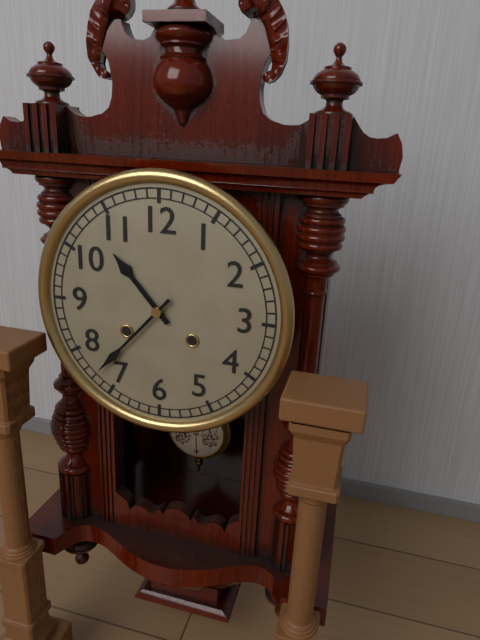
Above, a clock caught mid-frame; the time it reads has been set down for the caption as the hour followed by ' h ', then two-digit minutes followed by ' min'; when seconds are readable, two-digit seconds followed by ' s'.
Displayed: 10 h 37 min
